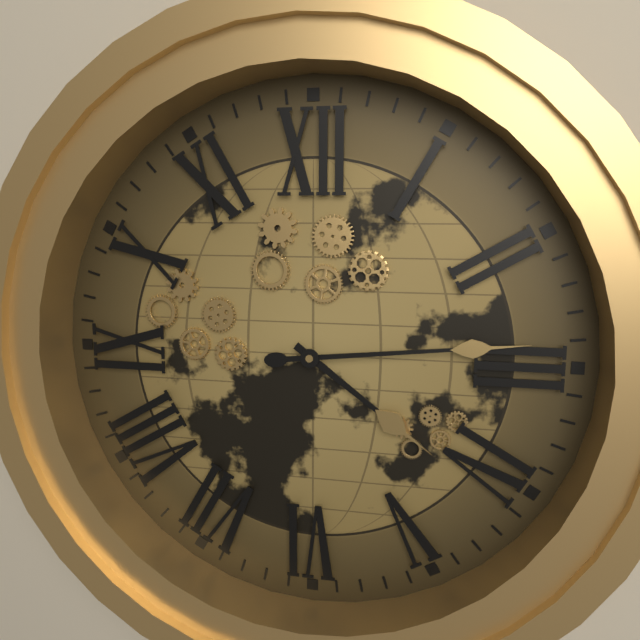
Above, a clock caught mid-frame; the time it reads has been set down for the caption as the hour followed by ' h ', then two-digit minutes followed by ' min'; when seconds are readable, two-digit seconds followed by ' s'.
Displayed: 4 h 14 min
